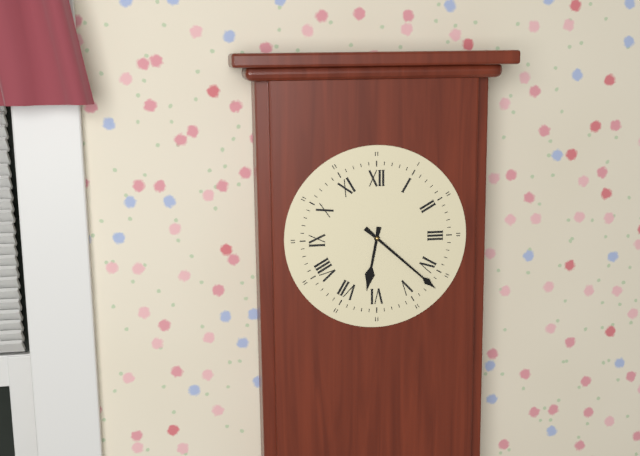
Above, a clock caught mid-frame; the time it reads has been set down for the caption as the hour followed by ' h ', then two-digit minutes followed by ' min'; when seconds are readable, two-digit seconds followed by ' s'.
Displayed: 6 h 22 min
